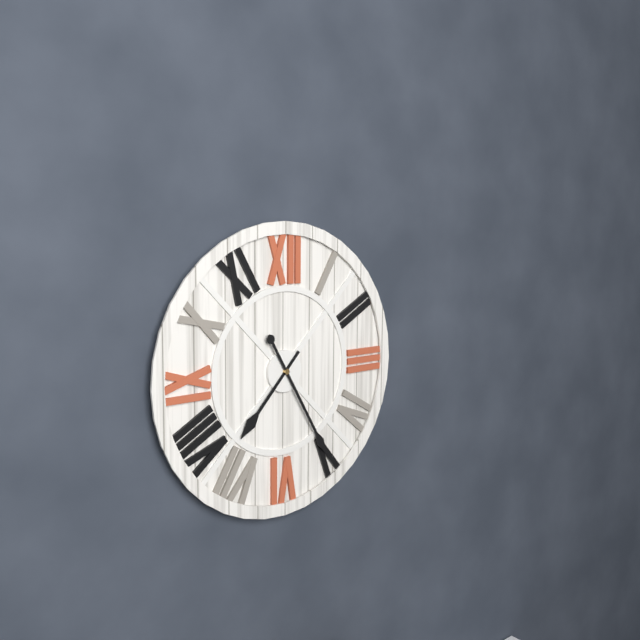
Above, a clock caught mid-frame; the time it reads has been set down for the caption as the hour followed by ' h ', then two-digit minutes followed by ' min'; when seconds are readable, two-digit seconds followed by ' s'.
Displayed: 7 h 25 min
